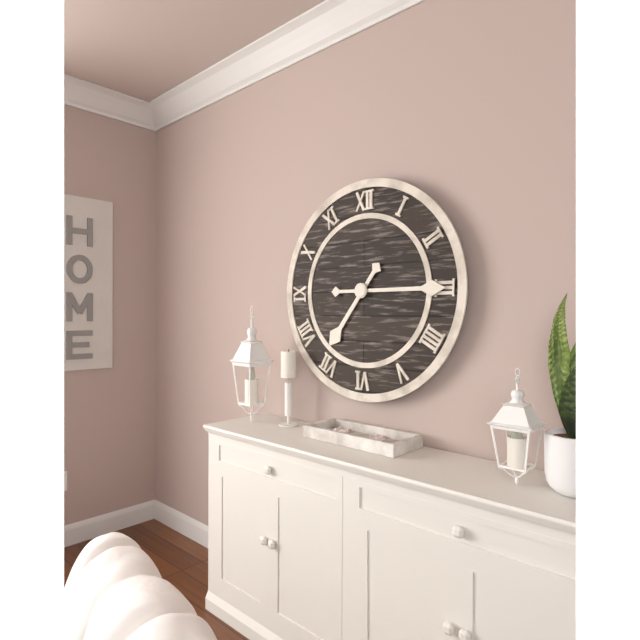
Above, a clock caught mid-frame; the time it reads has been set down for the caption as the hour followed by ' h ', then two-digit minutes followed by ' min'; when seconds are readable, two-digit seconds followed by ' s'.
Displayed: 7 h 15 min
